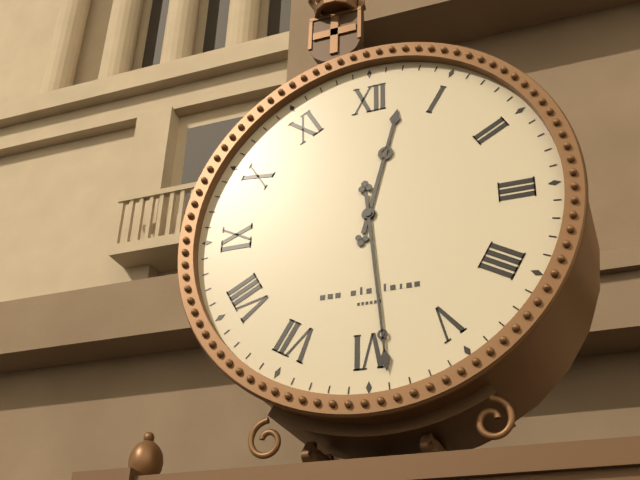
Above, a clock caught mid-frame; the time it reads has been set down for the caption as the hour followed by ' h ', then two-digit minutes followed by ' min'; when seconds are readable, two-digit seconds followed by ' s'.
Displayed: 12 h 29 min
